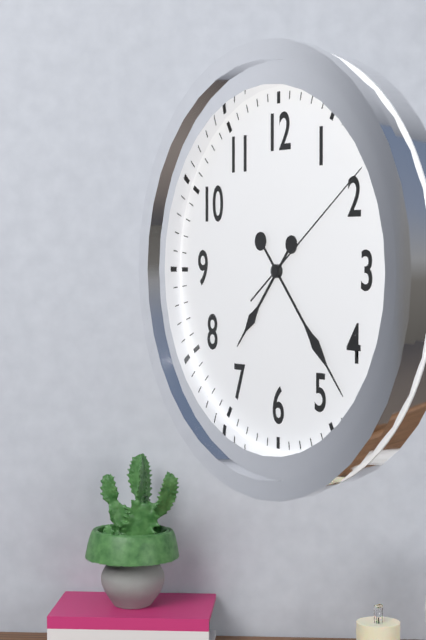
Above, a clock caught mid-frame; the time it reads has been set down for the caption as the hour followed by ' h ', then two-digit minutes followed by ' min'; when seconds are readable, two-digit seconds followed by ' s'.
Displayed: 7 h 23 min 09 s
